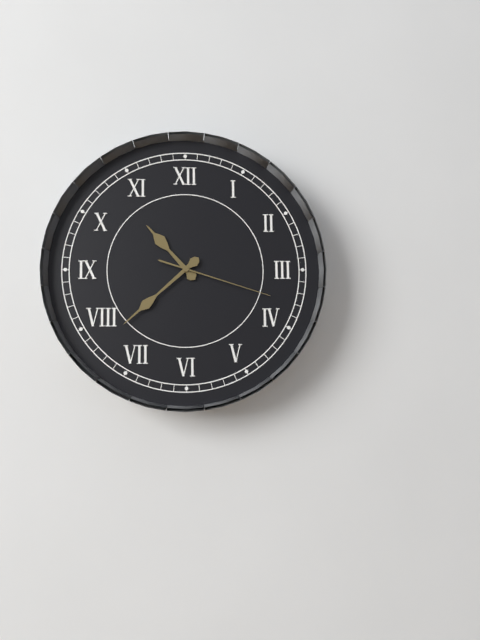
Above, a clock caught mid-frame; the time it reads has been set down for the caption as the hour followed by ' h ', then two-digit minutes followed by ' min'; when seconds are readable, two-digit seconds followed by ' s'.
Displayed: 10 h 38 min 18 s
